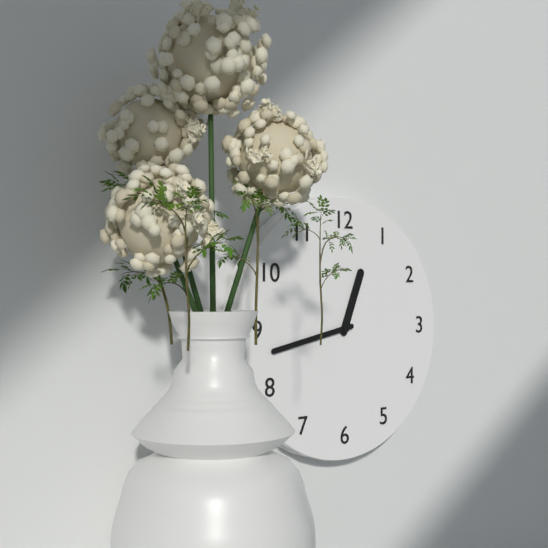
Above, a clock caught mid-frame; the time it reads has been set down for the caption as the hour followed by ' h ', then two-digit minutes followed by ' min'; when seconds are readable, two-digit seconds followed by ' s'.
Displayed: 12 h 43 min
